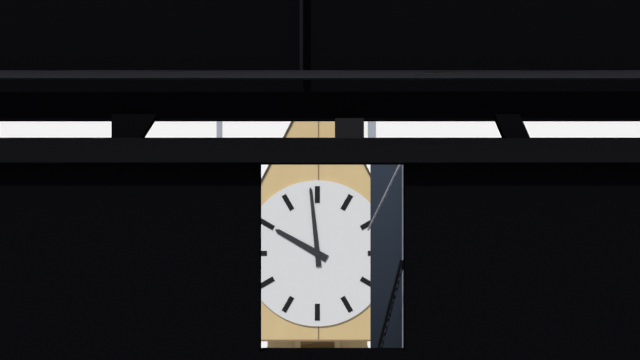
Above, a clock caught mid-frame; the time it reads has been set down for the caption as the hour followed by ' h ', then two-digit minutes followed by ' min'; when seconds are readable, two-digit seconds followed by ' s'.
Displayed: 9 h 59 min
